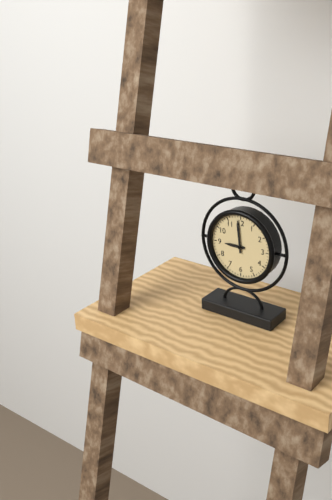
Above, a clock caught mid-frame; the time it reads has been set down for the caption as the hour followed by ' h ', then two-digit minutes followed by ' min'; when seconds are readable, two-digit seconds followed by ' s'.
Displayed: 8 h 59 min
